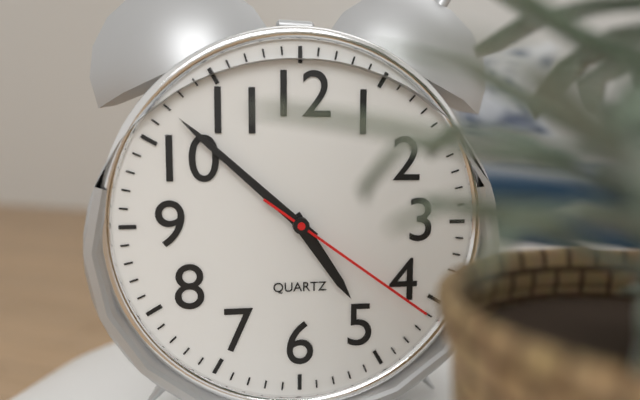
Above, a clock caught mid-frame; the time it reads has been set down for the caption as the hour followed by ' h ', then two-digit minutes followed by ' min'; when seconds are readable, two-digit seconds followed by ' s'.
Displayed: 4 h 52 min 21 s
